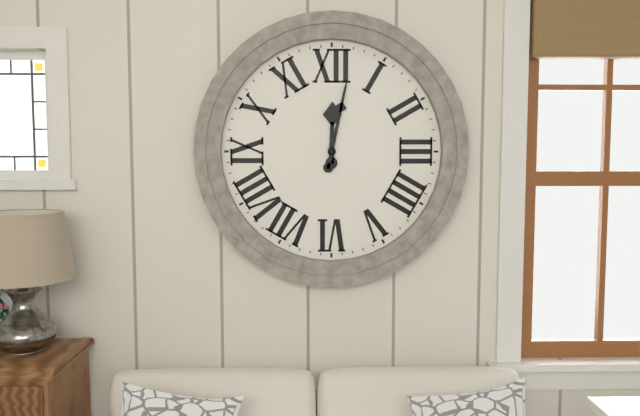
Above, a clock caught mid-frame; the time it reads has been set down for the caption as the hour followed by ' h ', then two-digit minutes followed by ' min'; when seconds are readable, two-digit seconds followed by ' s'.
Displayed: 12 h 02 min
